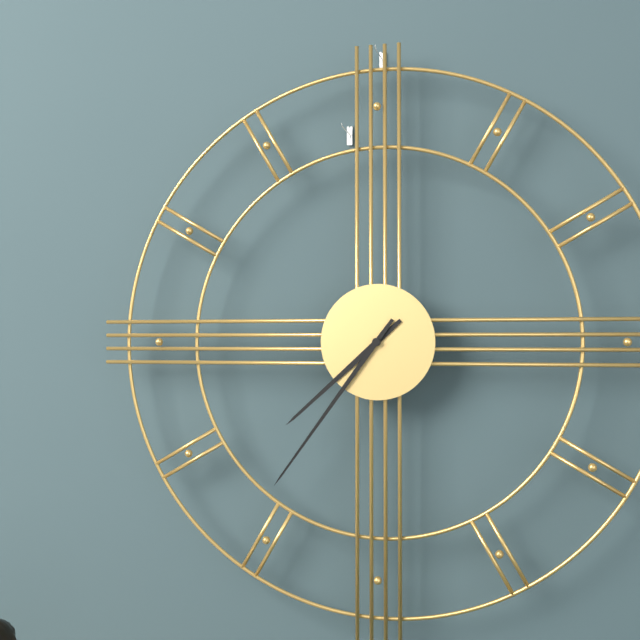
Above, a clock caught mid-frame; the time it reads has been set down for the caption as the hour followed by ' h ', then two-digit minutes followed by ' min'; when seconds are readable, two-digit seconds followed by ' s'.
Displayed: 7 h 36 min
